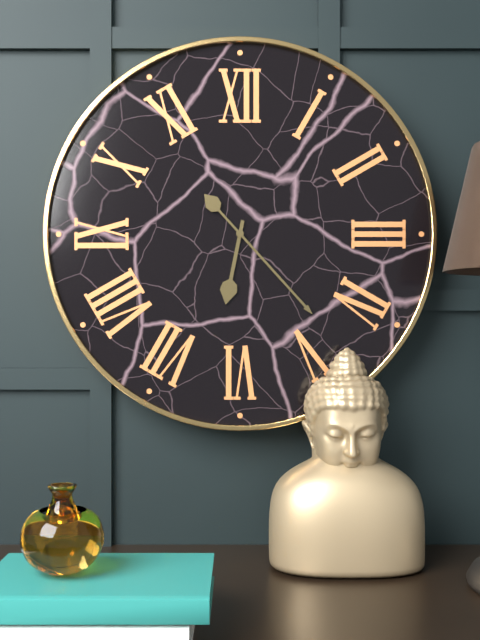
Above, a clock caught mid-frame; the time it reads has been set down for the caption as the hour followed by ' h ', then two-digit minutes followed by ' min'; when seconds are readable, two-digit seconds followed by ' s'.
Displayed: 6 h 23 min
